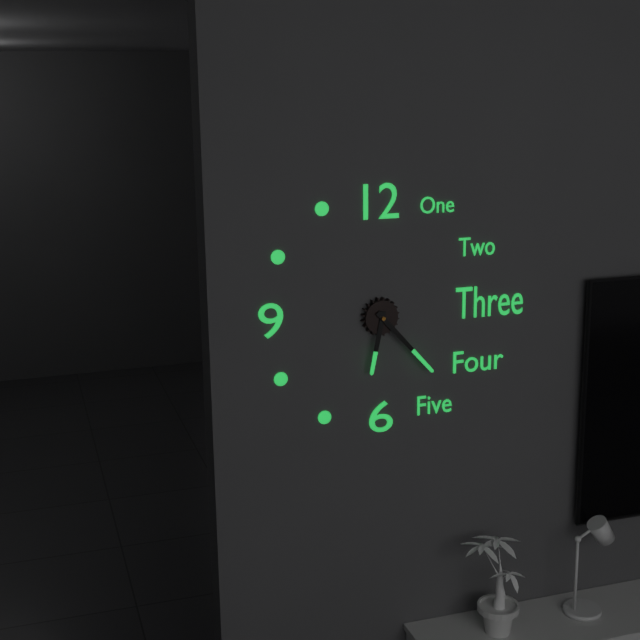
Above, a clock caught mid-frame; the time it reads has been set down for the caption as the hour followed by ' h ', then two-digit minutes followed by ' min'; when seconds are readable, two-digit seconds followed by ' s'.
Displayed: 6 h 23 min
